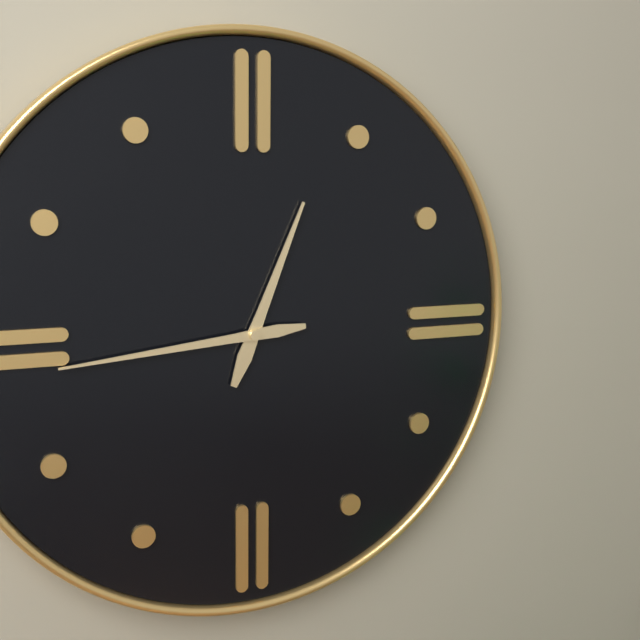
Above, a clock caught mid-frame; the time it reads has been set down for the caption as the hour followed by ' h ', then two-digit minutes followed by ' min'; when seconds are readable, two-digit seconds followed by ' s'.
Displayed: 12 h 44 min
